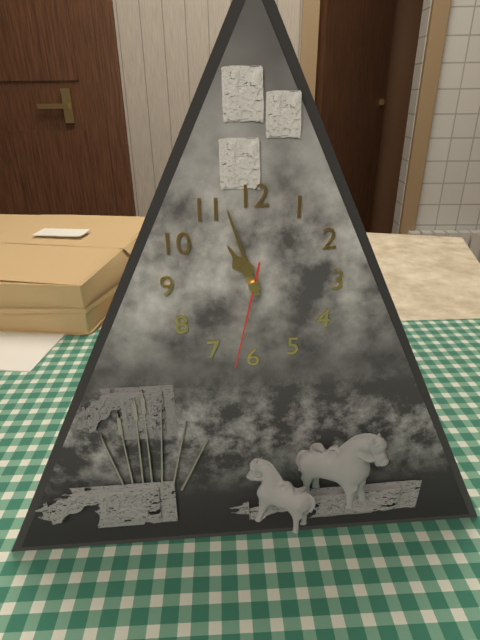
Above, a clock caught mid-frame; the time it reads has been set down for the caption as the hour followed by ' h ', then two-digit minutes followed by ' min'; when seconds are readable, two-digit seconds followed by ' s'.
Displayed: 10 h 57 min 32 s
